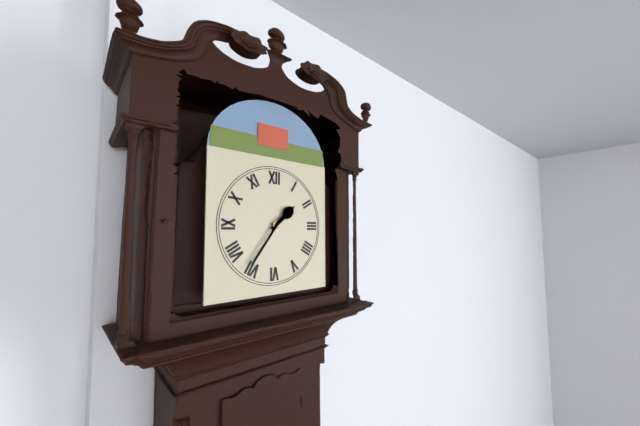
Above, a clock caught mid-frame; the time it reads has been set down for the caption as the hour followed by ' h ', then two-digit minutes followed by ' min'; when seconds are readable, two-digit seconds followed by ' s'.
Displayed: 1 h 36 min
